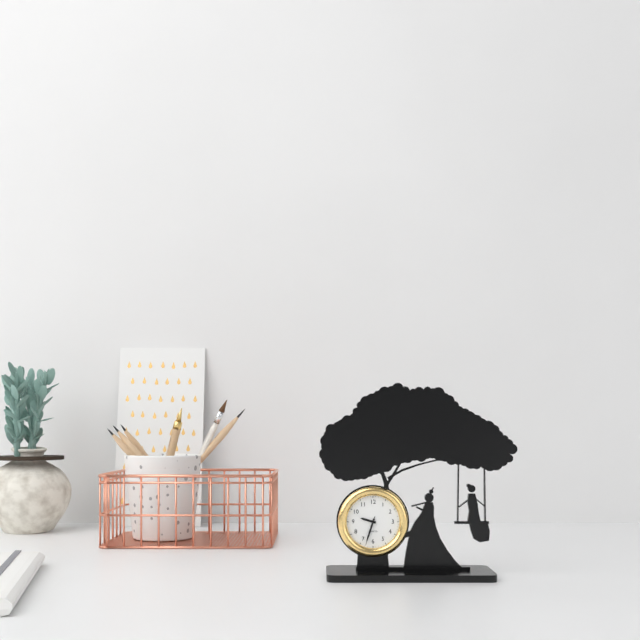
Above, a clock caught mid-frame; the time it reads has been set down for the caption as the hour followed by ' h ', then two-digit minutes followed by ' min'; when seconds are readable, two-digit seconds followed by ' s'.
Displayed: 9 h 33 min
